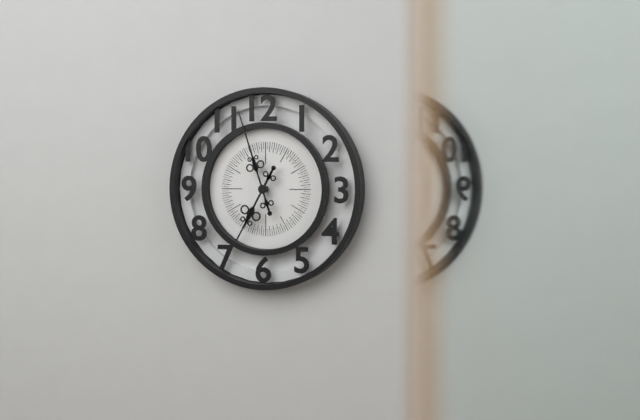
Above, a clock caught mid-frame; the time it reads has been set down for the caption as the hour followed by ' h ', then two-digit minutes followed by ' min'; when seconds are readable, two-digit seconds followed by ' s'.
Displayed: 6 h 57 min
